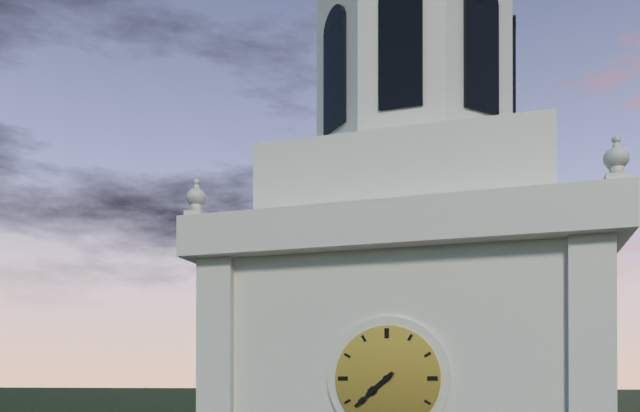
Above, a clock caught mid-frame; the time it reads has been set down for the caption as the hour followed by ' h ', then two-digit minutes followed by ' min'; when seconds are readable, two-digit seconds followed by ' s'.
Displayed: 7 h 38 min
